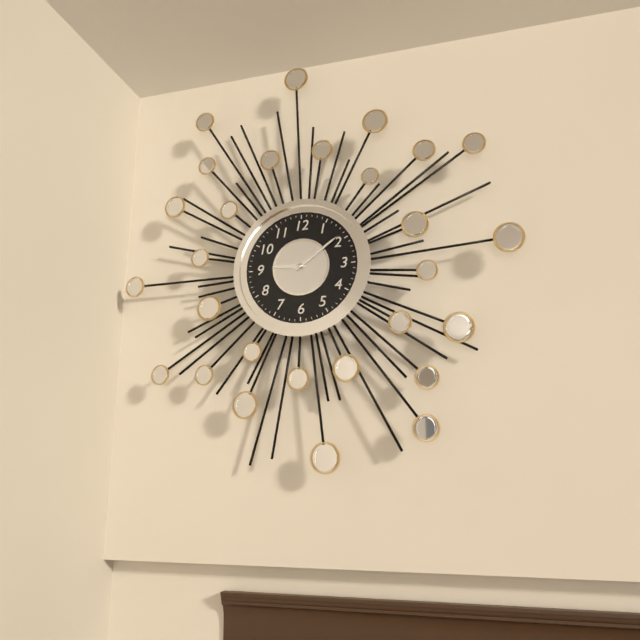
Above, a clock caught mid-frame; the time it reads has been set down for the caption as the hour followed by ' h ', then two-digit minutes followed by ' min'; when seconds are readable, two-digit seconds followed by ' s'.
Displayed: 9 h 09 min
